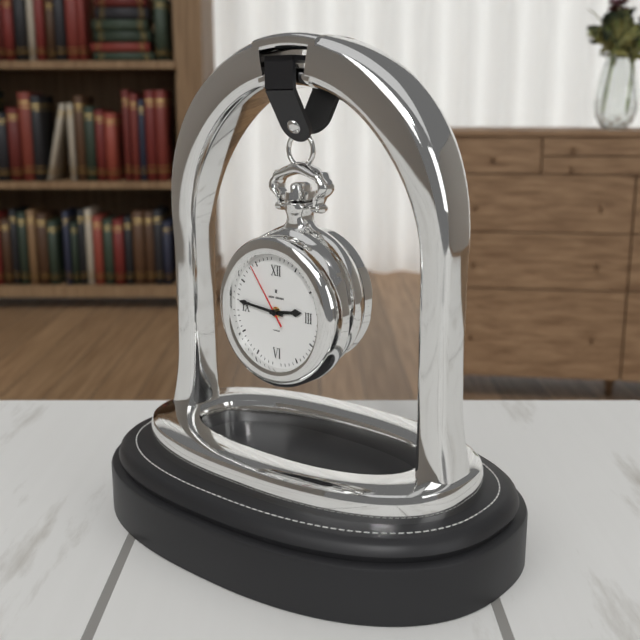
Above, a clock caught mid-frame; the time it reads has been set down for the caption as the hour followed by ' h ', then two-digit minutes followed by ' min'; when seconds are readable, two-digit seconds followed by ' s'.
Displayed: 2 h 46 min 54 s
